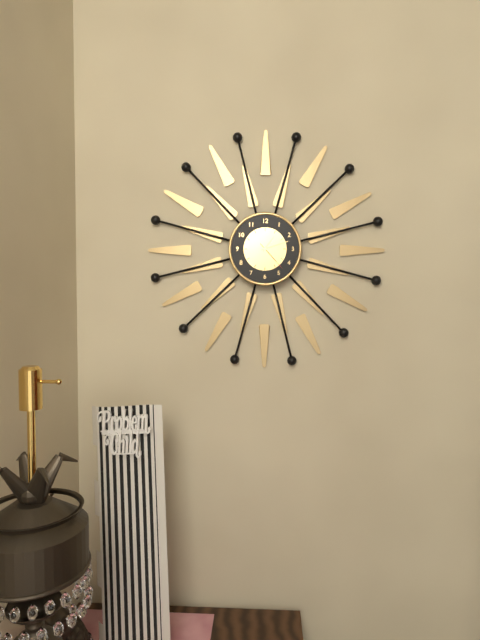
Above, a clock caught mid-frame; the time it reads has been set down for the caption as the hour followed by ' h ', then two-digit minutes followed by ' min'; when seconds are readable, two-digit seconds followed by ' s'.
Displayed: 1 h 12 min
